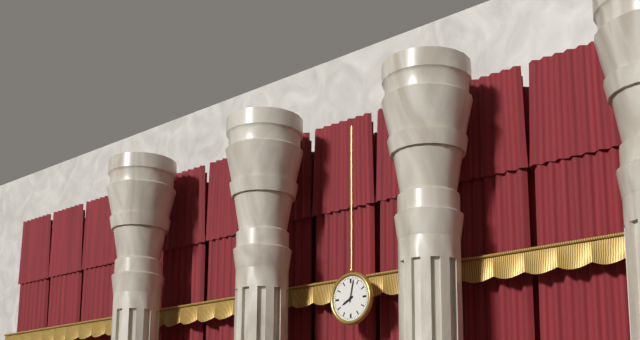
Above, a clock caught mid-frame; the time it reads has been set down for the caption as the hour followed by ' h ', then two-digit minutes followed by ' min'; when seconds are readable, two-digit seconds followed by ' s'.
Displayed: 8 h 02 min
